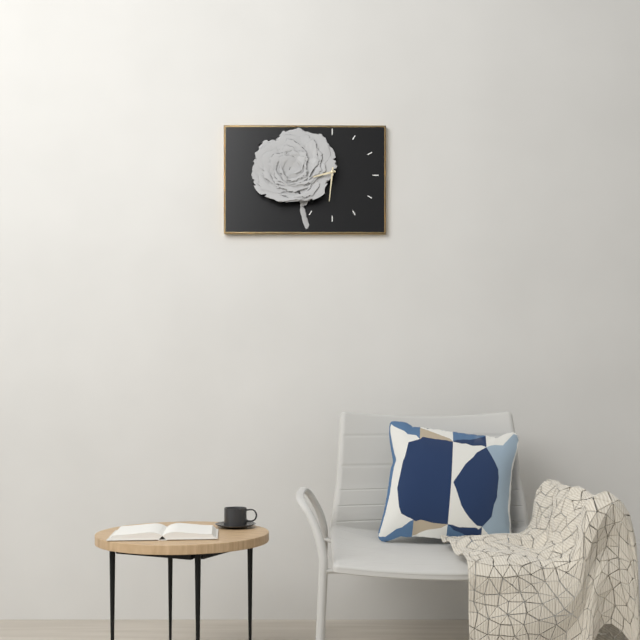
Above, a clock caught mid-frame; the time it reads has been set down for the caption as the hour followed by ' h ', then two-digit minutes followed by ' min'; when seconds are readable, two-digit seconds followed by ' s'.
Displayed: 8 h 31 min
